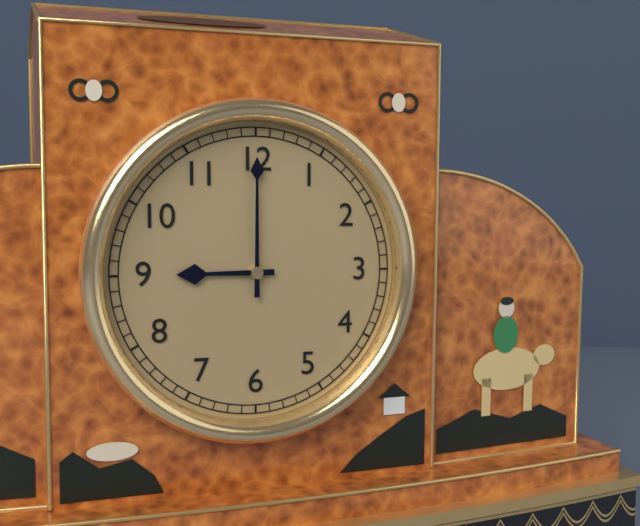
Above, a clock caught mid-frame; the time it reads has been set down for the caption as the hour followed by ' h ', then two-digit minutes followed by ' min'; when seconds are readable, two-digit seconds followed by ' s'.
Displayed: 9 h 00 min
